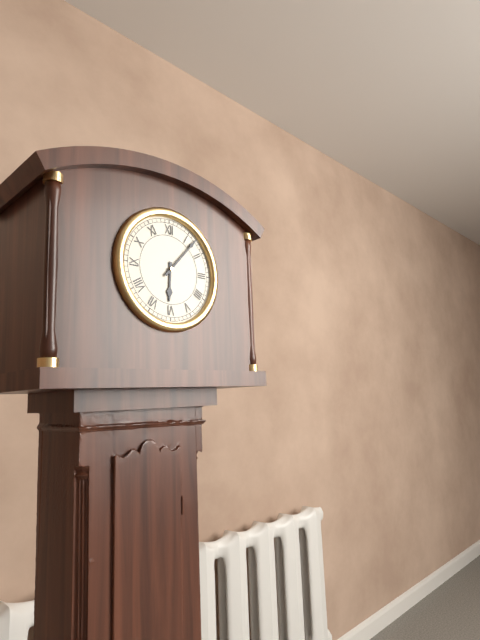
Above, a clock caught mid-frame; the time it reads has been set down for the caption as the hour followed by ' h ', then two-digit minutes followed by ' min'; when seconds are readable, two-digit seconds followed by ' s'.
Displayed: 6 h 07 min
